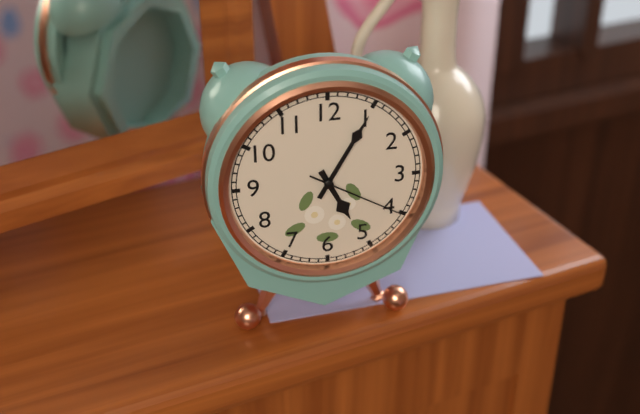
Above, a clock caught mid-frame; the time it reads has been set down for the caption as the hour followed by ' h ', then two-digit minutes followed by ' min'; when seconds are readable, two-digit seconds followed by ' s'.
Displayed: 5 h 05 min 20 s
